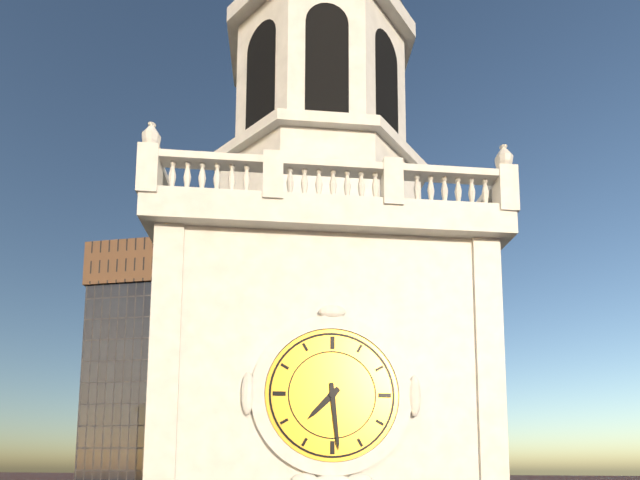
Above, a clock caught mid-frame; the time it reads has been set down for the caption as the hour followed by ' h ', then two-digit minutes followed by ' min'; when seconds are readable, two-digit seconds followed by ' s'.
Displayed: 7 h 29 min
